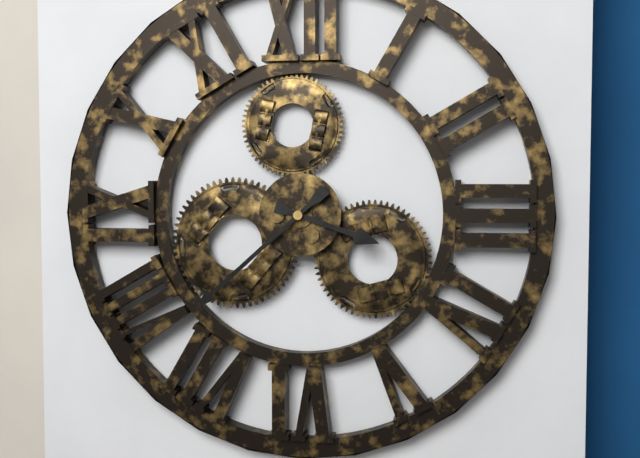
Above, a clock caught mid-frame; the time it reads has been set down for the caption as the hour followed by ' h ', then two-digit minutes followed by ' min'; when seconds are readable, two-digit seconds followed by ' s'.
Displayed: 3 h 38 min
